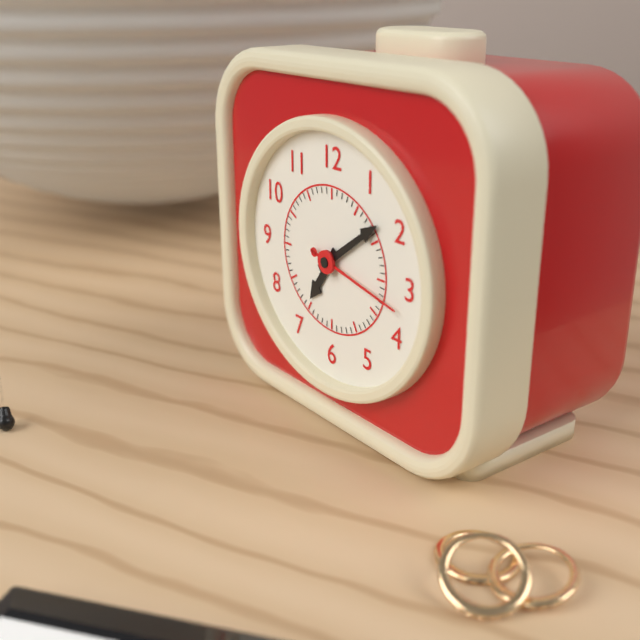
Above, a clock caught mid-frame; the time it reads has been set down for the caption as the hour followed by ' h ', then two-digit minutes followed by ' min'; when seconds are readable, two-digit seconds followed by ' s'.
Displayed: 7 h 09 min 17 s
